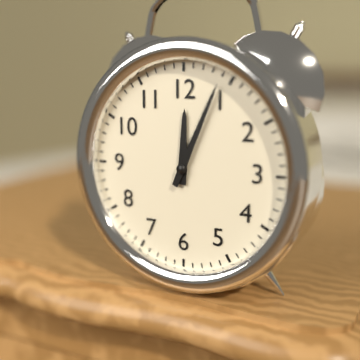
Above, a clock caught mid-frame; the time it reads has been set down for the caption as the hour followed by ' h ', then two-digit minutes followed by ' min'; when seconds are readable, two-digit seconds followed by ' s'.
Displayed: 12 h 04 min
